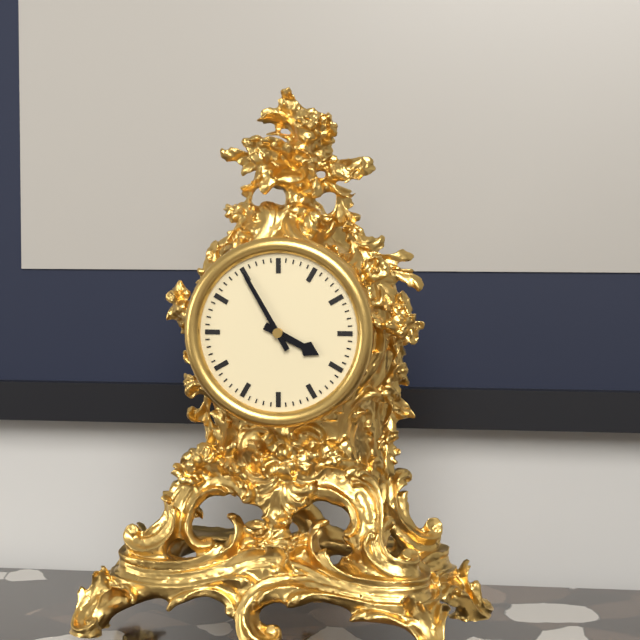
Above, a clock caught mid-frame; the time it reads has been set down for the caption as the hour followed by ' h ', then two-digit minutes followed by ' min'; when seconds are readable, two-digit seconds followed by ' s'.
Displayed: 3 h 55 min
